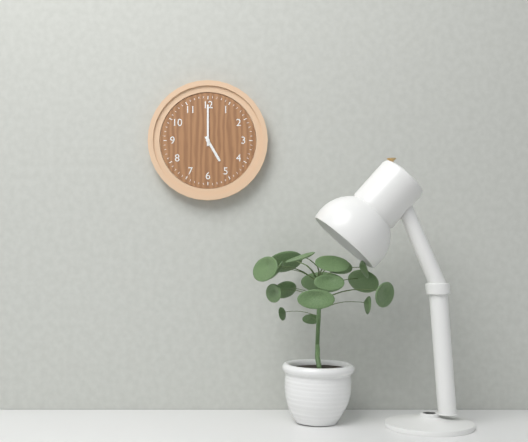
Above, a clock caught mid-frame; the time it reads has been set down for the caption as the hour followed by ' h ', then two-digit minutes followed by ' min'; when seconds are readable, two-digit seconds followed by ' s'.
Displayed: 5 h 00 min
